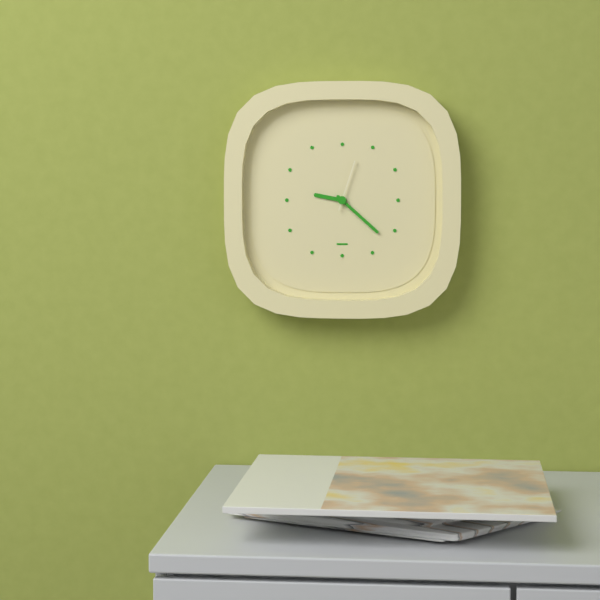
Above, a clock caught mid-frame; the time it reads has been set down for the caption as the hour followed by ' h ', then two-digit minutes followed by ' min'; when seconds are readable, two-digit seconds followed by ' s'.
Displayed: 9 h 22 min 03 s
